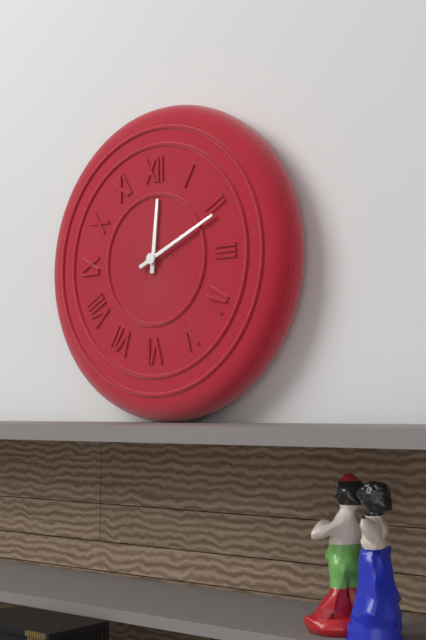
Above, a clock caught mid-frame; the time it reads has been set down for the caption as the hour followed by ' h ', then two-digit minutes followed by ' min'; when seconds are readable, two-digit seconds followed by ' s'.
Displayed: 12 h 11 min
